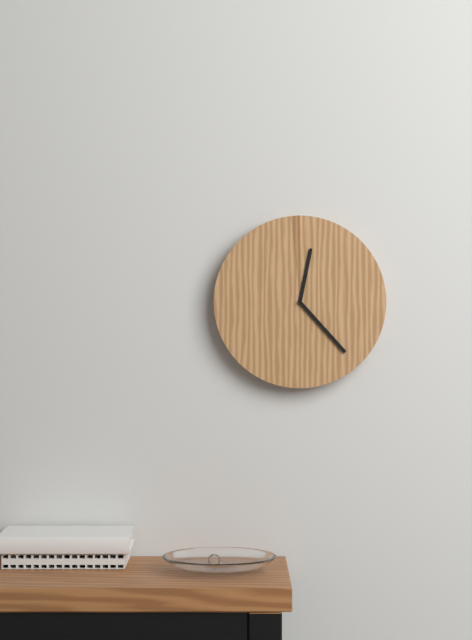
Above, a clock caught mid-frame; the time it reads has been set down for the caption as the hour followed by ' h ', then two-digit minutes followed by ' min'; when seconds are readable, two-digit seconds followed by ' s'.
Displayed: 12 h 23 min
